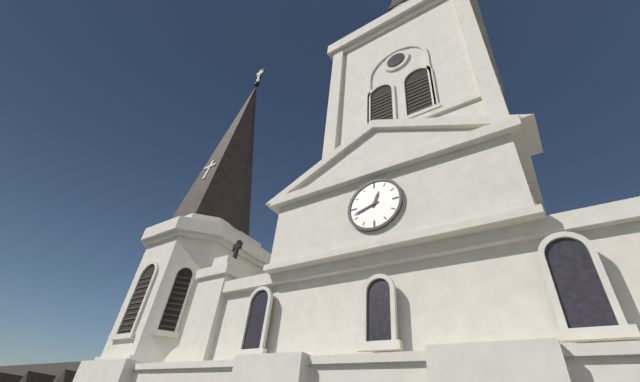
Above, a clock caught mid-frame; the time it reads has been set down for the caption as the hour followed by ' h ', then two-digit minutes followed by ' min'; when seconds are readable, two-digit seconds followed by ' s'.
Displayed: 12 h 42 min
